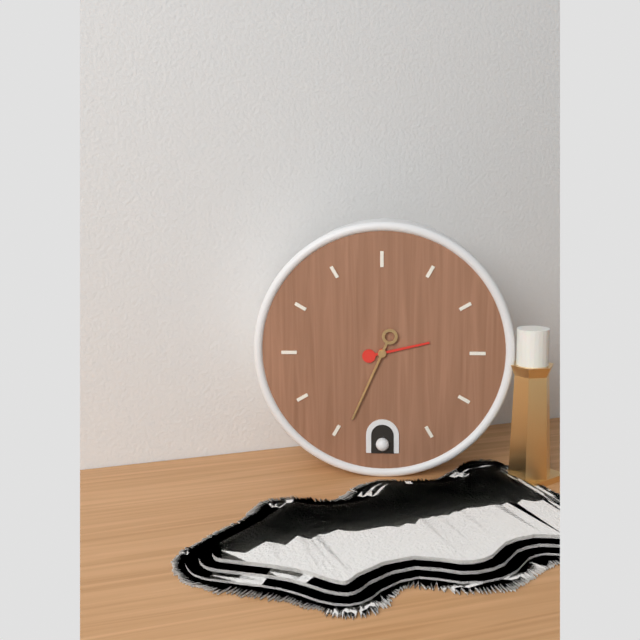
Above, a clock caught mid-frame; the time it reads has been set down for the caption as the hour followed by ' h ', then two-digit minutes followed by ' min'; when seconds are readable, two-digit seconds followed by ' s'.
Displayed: 2 h 34 min
